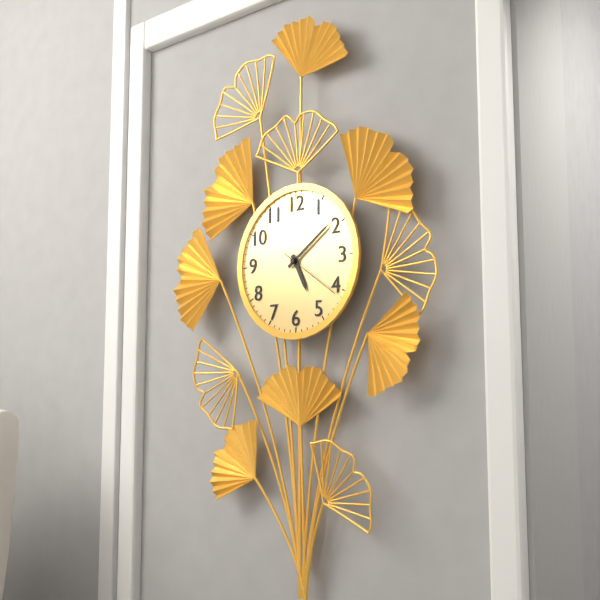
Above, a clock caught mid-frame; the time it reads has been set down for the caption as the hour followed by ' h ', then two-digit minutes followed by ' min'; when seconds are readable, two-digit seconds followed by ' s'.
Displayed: 5 h 09 min 21 s
